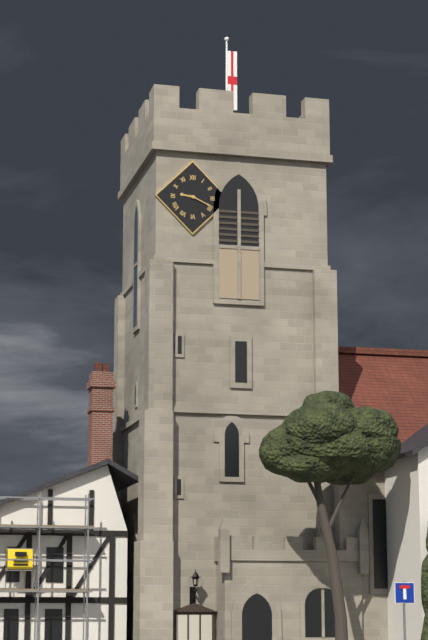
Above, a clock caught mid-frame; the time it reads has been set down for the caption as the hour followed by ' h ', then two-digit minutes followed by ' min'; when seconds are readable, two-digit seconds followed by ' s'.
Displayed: 9 h 19 min
